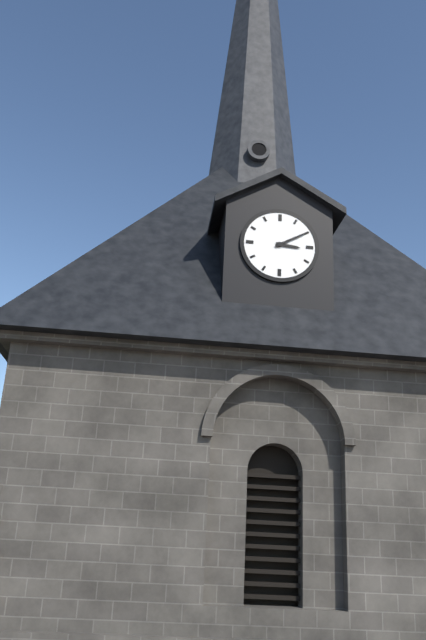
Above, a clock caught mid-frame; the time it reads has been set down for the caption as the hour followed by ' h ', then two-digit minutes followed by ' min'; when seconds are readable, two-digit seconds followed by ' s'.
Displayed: 3 h 10 min
